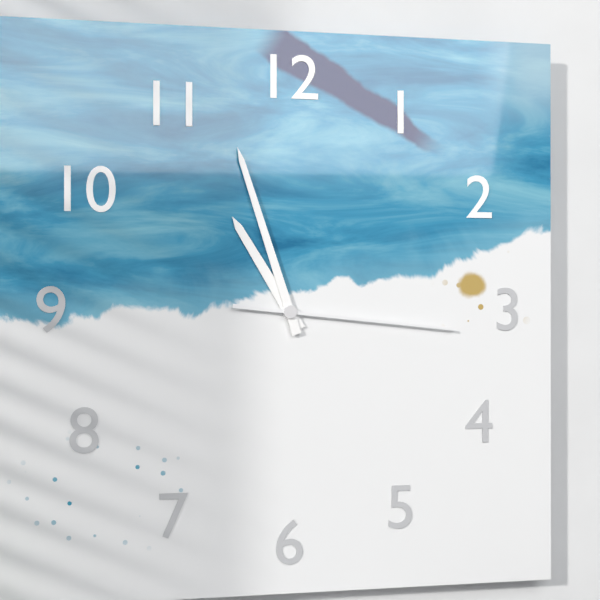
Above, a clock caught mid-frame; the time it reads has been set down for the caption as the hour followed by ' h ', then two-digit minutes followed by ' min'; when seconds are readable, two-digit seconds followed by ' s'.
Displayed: 10 h 57 min 16 s
